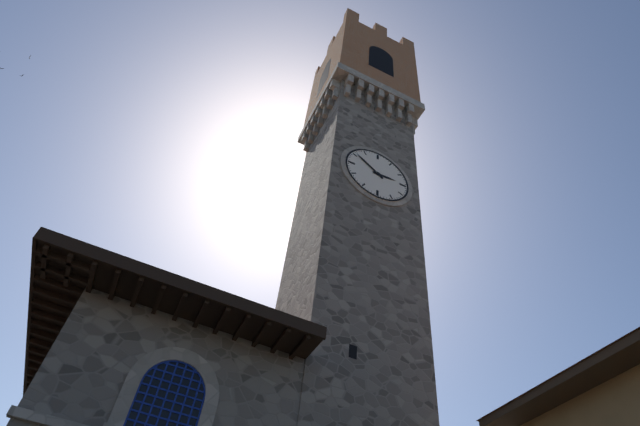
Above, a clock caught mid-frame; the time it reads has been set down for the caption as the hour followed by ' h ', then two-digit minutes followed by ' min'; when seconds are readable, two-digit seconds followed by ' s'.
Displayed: 2 h 51 min
